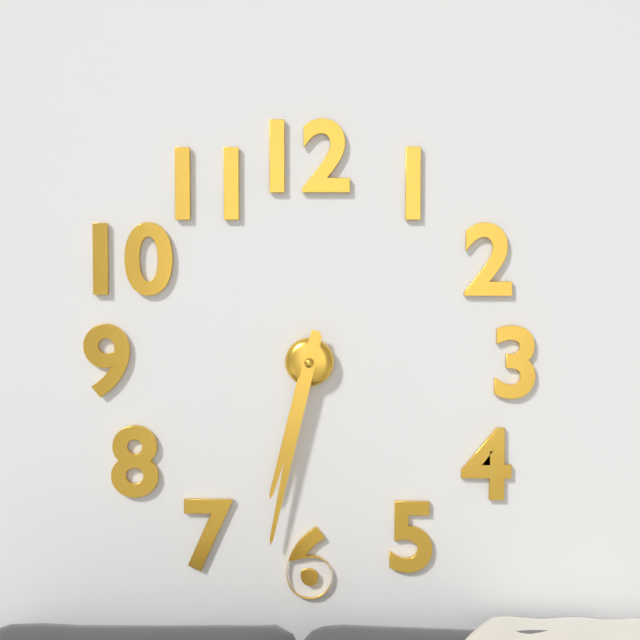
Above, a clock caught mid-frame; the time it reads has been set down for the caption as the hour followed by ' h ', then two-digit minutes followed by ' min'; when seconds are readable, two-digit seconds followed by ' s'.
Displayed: 6 h 32 min
